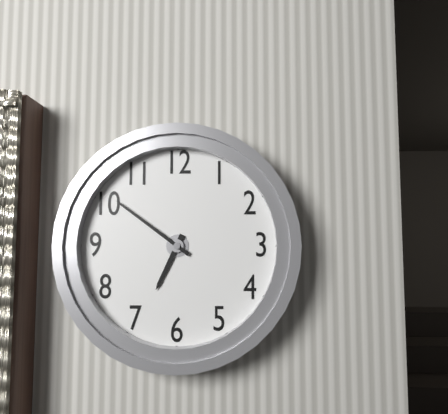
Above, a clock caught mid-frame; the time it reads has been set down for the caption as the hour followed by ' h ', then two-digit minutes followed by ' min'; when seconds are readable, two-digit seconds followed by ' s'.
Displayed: 6 h 51 min
